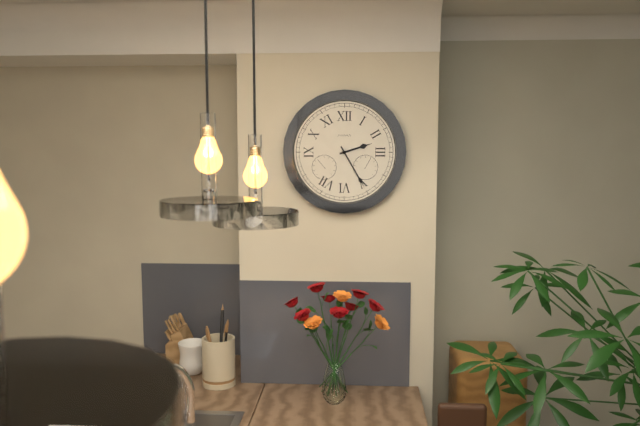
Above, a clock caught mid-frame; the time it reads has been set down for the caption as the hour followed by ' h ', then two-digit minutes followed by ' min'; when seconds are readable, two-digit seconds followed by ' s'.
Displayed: 2 h 25 min
